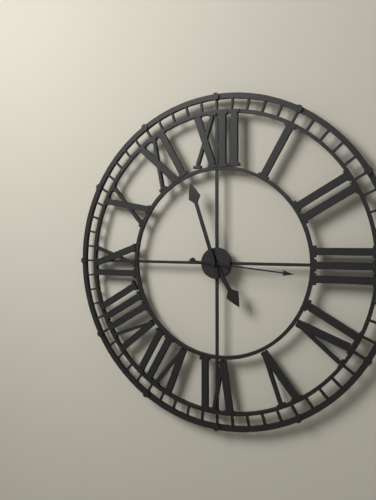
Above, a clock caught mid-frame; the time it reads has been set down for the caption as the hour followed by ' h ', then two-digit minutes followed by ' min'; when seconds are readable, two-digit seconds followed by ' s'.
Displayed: 4 h 57 min 16 s
